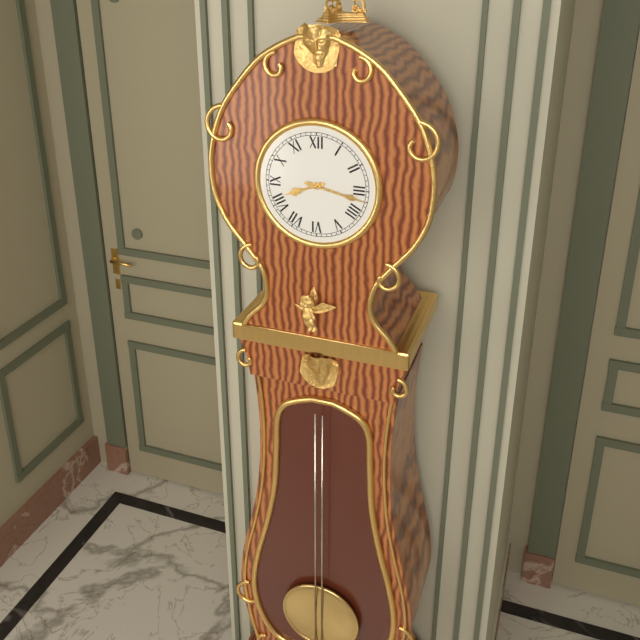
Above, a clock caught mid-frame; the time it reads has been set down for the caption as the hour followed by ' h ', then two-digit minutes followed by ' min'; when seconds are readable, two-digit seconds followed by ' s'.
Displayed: 8 h 17 min
